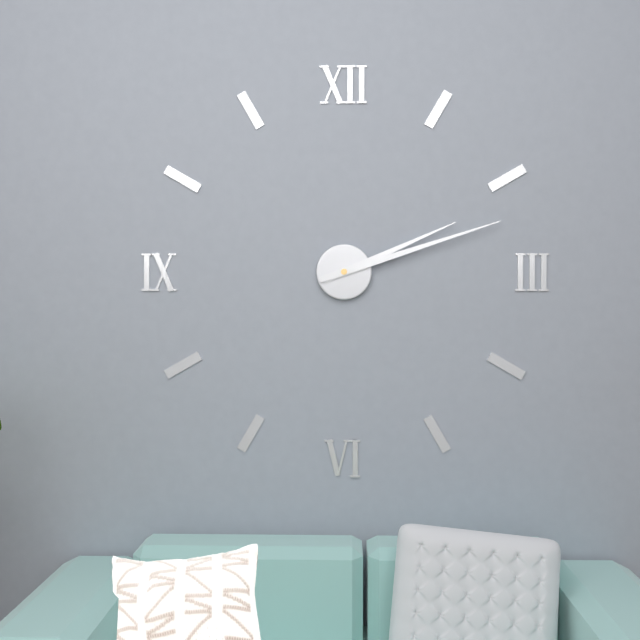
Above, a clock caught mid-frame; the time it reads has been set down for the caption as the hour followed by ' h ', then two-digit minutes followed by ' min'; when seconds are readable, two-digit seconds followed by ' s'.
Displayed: 2 h 12 min
